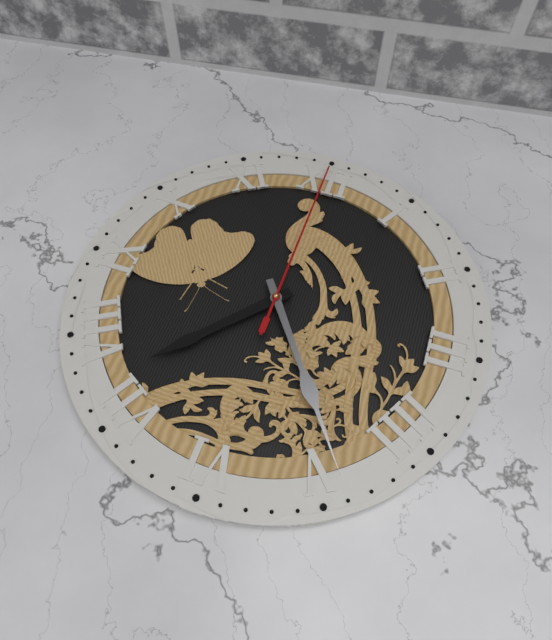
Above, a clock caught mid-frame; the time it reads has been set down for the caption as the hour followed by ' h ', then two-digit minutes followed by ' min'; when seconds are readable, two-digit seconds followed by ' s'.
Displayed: 7 h 24 min 00 s
